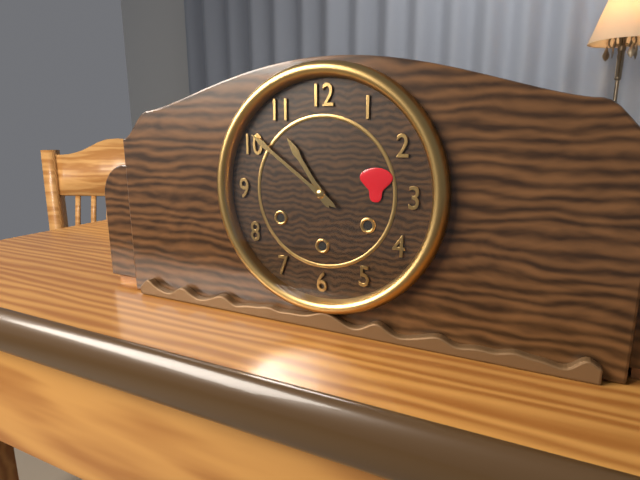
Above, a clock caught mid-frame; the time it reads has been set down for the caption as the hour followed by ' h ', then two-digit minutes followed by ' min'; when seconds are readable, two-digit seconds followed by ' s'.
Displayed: 10 h 51 min
